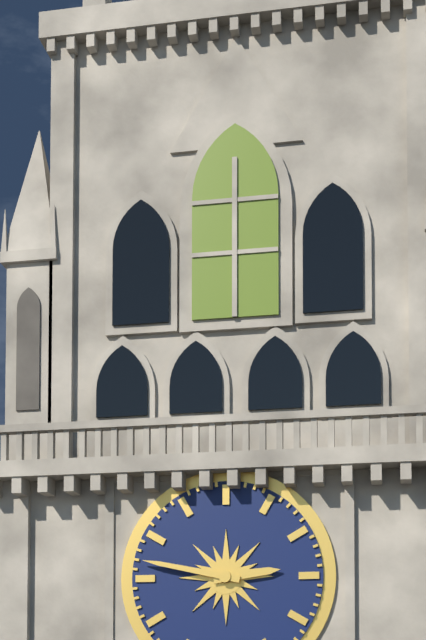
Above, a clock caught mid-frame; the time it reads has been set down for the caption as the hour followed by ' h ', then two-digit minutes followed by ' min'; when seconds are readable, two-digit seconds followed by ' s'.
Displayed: 2 h 47 min
